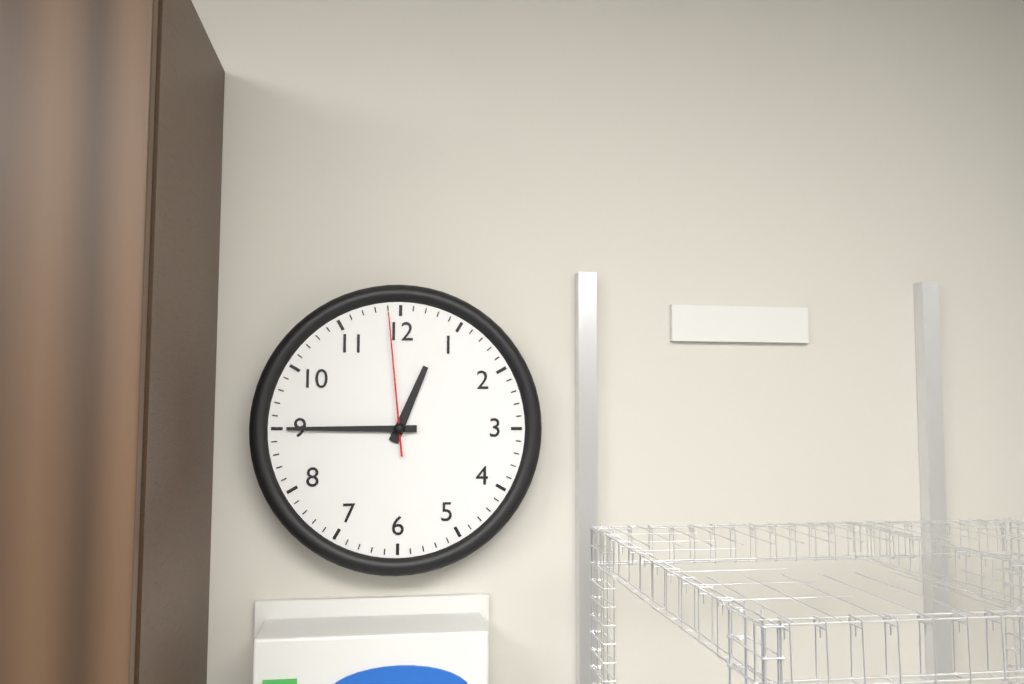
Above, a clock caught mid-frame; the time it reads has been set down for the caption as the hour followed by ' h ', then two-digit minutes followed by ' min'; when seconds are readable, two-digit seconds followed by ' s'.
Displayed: 12 h 45 min 59 s
